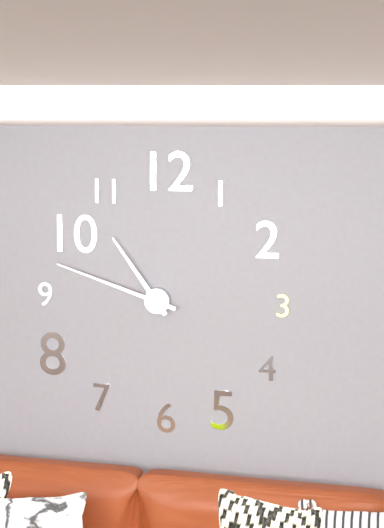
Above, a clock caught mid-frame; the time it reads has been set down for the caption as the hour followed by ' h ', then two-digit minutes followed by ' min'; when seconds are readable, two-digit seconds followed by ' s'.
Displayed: 10 h 48 min
